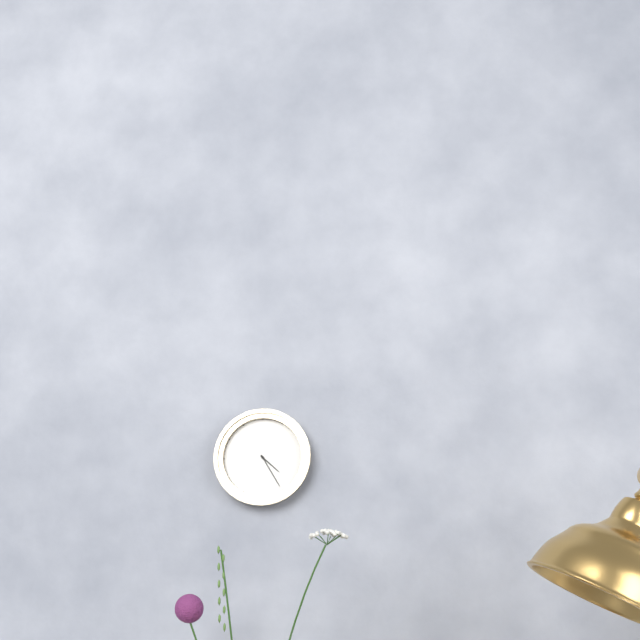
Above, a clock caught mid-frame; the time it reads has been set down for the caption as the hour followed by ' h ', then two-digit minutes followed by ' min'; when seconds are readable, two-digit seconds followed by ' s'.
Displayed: 4 h 25 min
